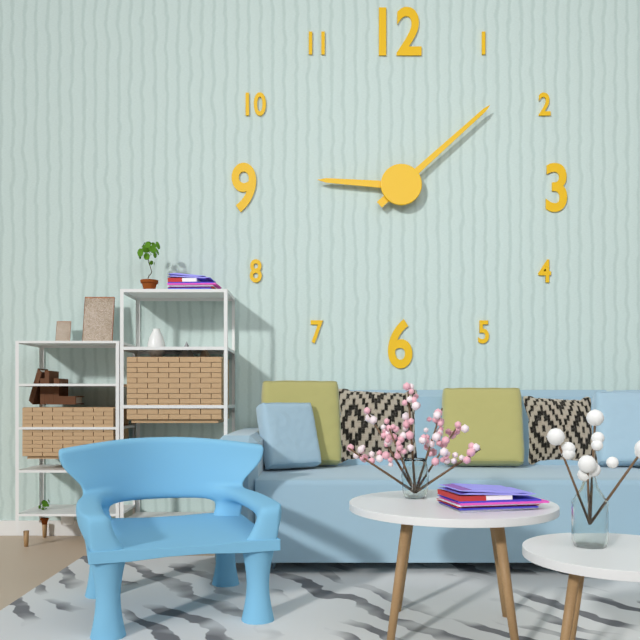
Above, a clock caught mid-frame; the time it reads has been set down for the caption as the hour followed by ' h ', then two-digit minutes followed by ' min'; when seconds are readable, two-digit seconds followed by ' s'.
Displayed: 9 h 08 min
